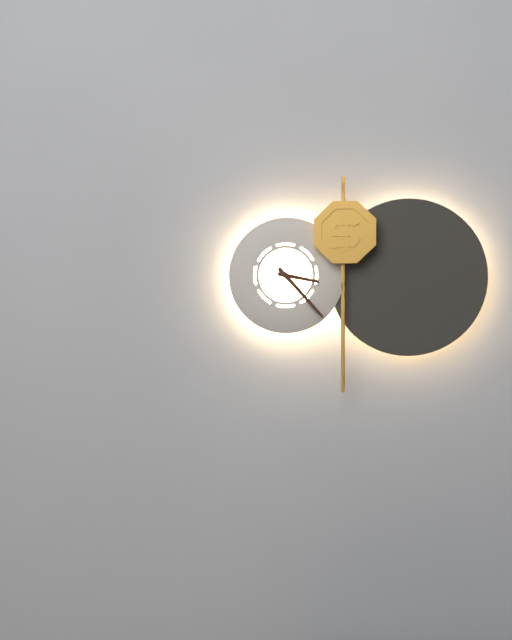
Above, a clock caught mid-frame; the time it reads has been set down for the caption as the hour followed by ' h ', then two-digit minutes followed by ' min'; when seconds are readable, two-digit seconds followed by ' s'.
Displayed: 3 h 23 min
